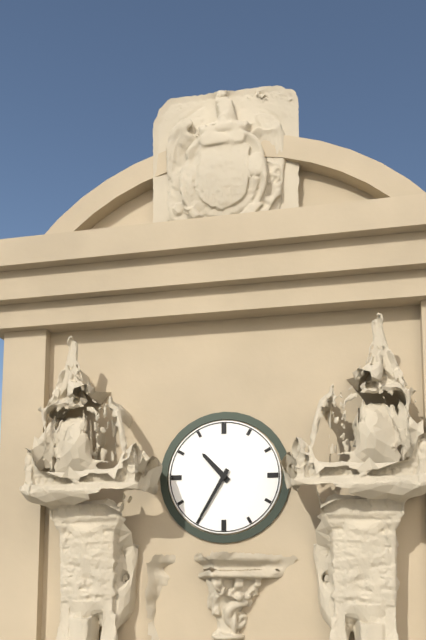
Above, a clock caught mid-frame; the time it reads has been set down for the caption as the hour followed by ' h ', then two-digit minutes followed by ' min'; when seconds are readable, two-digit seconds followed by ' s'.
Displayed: 10 h 35 min
